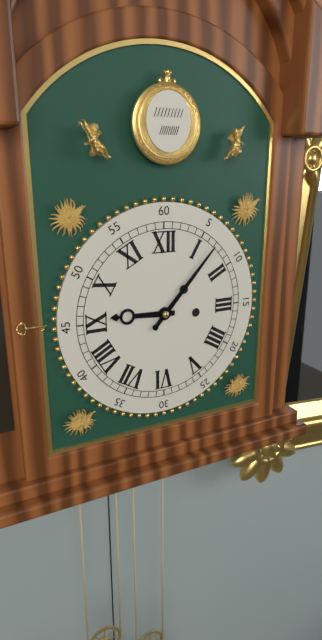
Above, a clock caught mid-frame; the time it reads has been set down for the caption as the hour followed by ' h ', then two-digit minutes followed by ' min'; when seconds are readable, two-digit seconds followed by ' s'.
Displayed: 9 h 07 min
